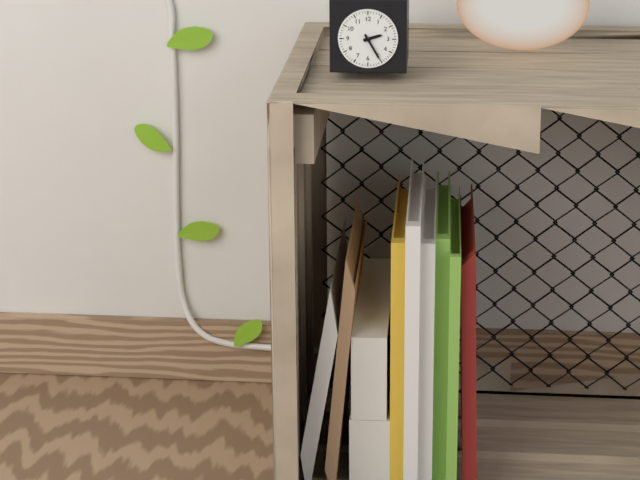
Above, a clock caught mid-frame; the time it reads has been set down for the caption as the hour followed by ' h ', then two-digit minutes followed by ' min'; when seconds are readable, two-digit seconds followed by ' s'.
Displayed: 2 h 25 min
